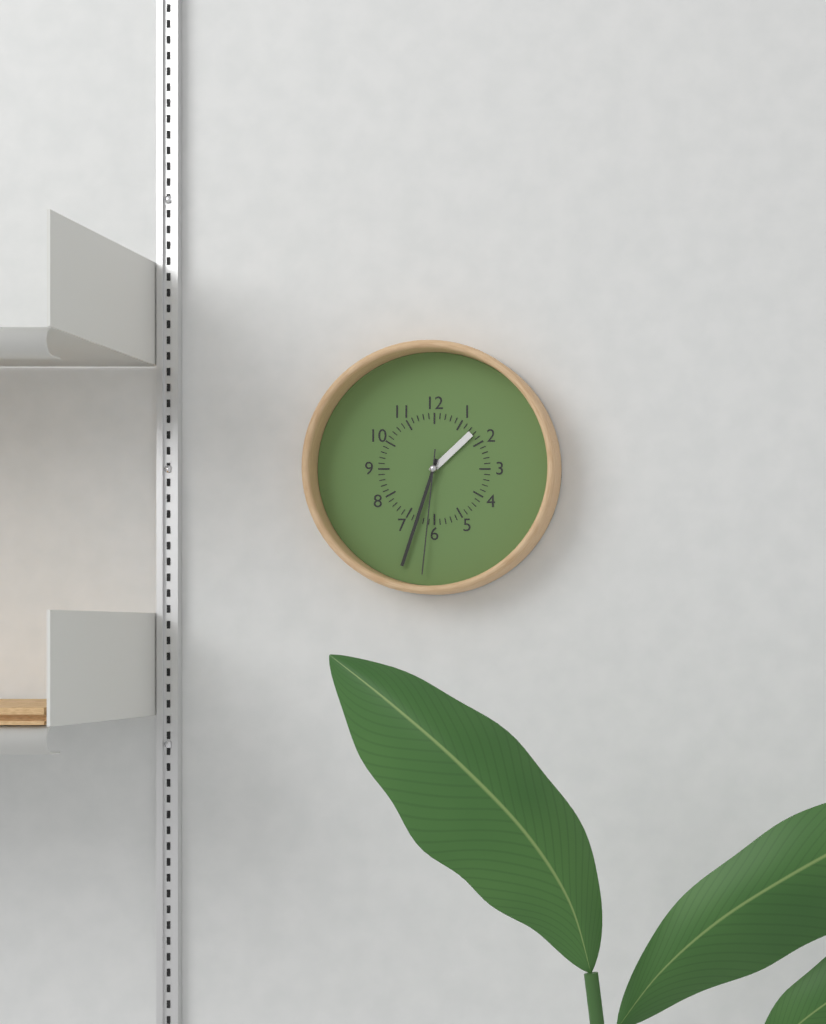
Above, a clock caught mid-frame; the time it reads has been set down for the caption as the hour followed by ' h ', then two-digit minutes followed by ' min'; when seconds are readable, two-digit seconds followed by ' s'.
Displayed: 1 h 33 min 31 s
